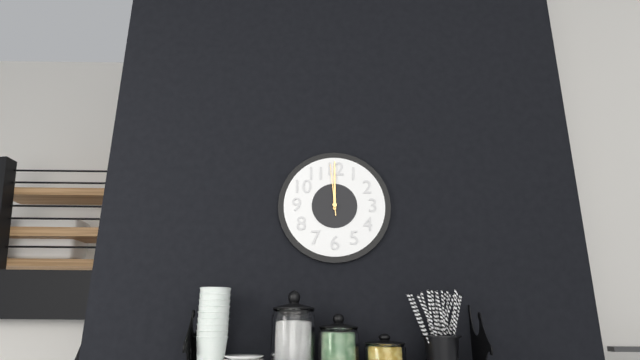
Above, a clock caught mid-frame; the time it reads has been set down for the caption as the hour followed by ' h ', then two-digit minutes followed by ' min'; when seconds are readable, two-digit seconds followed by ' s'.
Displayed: 12 h 00 min 59 s
